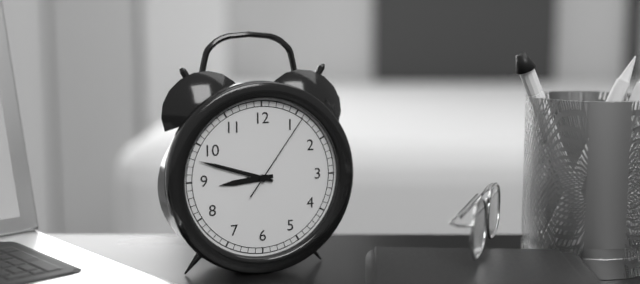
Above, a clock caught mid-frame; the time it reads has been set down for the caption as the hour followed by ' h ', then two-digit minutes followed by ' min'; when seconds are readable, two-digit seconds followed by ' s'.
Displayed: 8 h 48 min 06 s
